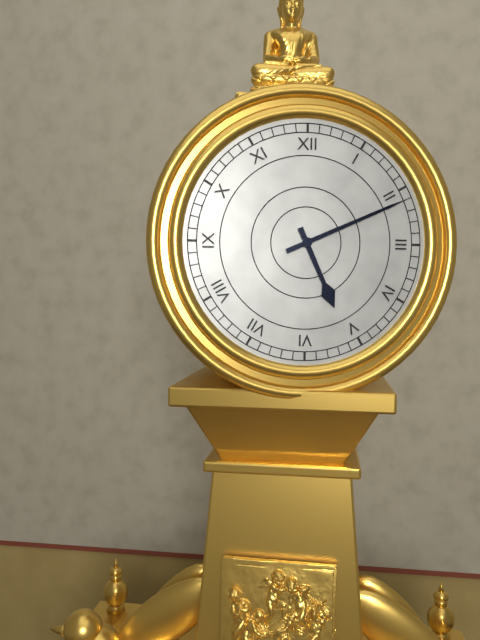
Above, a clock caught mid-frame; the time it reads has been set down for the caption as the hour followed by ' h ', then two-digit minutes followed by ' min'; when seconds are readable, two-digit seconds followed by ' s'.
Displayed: 5 h 11 min
